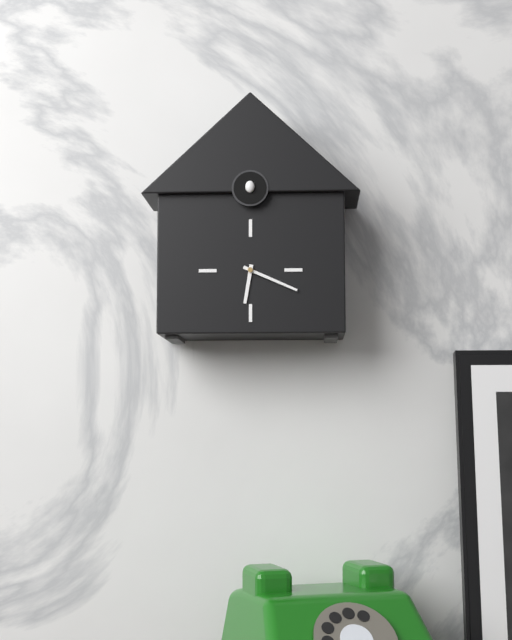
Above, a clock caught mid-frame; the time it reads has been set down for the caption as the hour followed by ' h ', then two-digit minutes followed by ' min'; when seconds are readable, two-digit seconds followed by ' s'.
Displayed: 6 h 19 min
